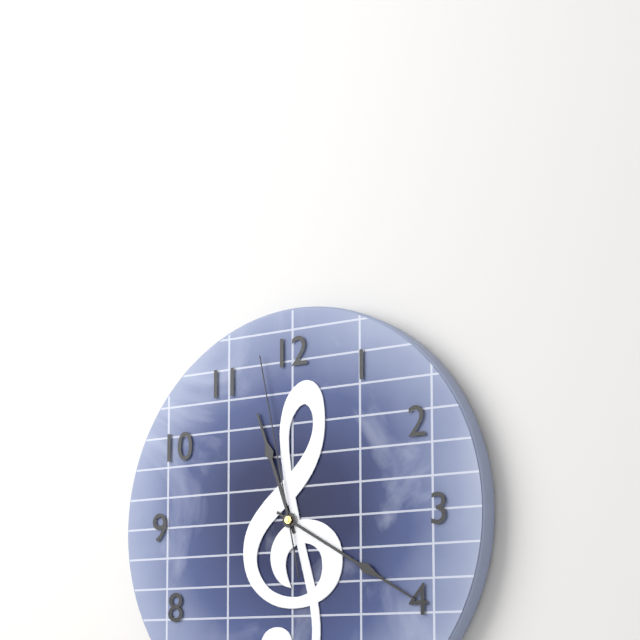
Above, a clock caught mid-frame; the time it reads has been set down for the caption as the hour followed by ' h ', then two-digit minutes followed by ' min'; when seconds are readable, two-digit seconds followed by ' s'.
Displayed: 11 h 20 min 58 s
